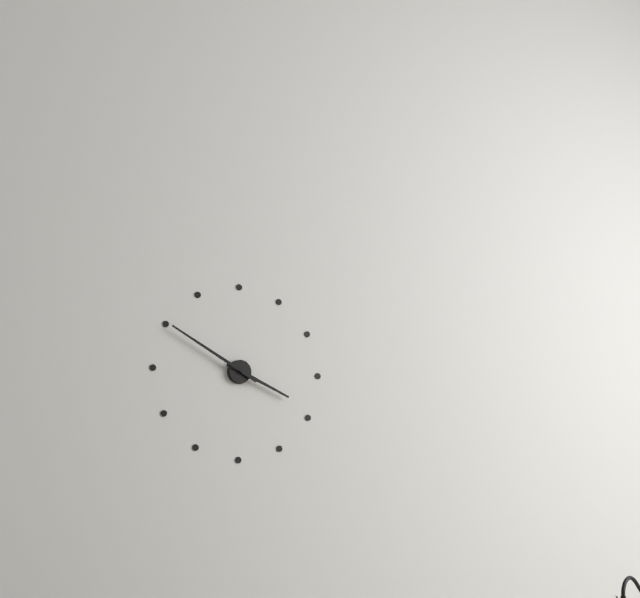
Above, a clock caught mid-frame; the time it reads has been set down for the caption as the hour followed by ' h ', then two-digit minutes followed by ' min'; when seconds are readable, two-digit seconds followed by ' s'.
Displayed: 3 h 50 min
